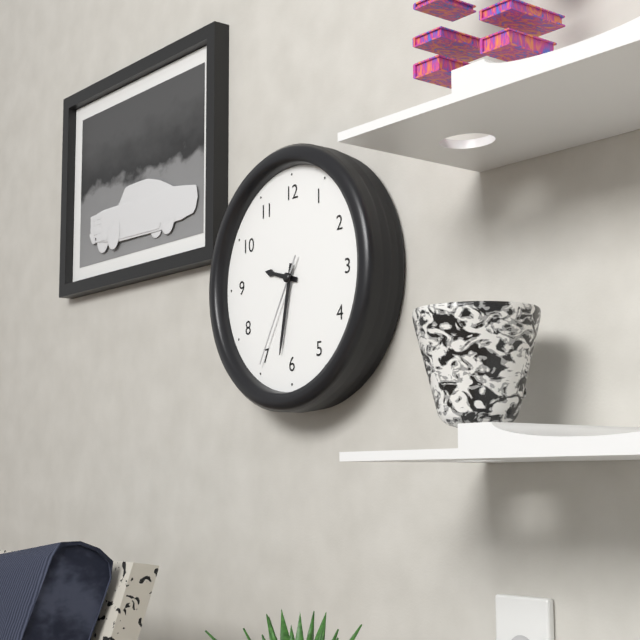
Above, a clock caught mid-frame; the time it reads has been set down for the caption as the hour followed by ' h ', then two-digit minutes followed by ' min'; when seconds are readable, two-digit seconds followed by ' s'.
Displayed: 9 h 32 min 35 s
